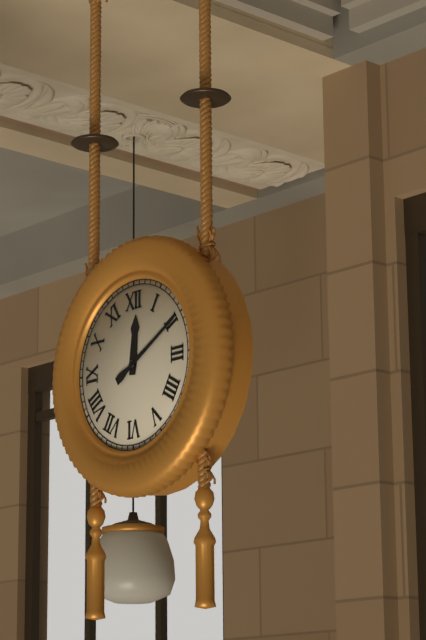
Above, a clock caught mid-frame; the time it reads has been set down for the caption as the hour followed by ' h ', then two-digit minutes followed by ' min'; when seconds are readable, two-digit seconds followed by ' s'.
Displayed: 12 h 10 min
